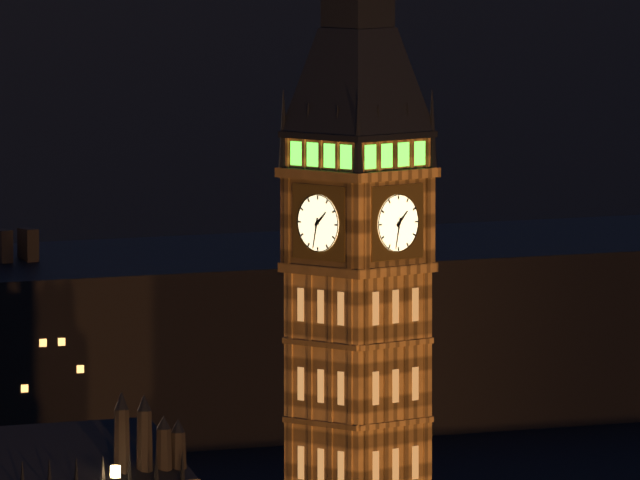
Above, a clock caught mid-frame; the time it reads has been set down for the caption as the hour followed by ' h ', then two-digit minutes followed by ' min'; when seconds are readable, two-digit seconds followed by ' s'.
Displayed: 1 h 32 min
